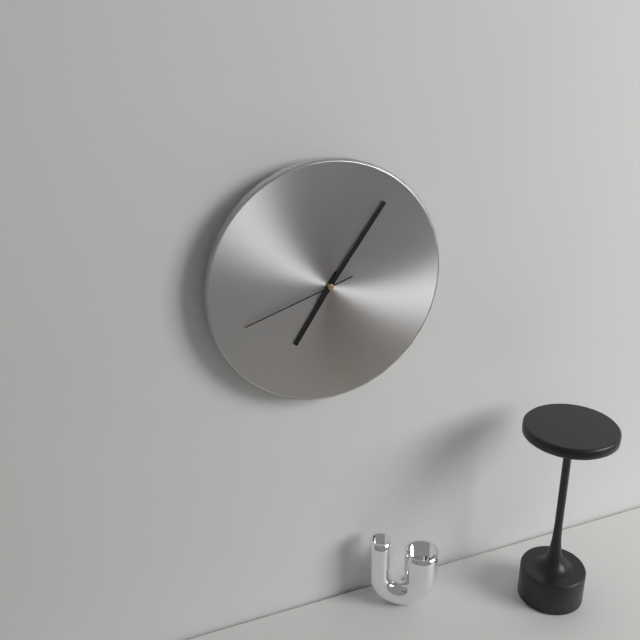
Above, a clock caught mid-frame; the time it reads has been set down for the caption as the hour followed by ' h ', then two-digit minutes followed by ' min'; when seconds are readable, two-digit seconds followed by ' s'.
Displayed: 7 h 06 min 42 s
